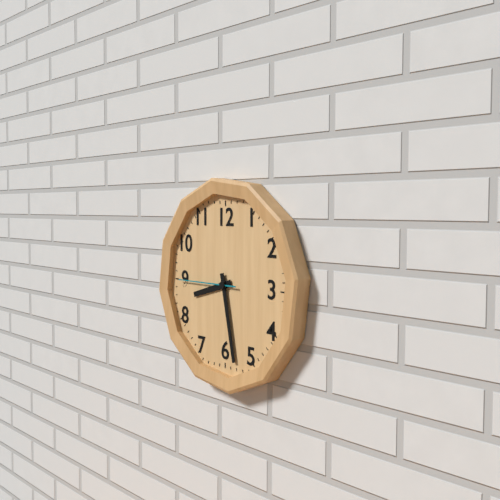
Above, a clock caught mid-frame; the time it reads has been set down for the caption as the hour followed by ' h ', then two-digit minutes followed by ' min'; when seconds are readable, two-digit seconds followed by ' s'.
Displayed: 8 h 28 min 45 s
